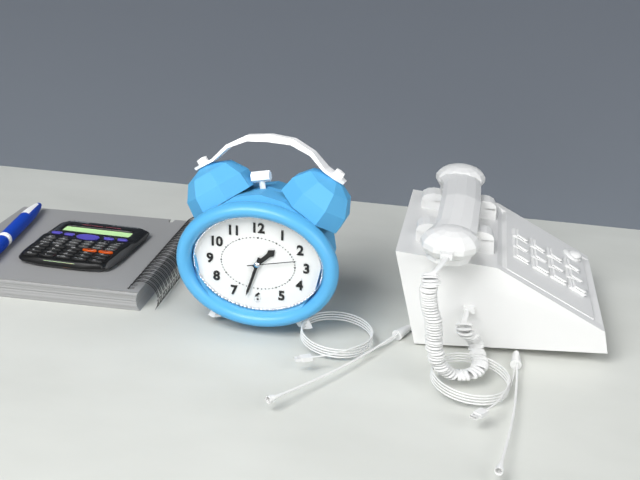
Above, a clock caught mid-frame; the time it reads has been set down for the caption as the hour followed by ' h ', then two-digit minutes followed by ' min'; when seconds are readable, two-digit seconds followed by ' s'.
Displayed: 1 h 33 min
